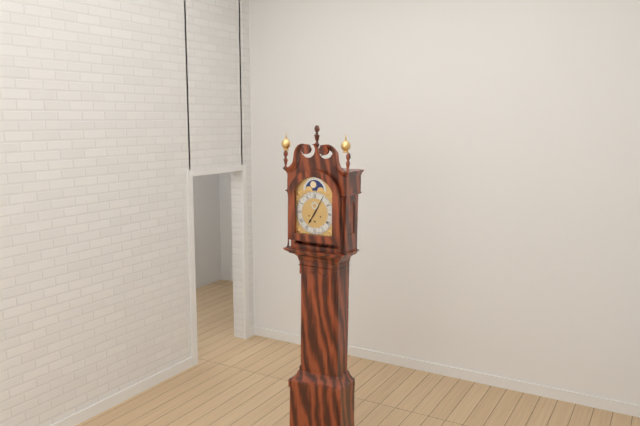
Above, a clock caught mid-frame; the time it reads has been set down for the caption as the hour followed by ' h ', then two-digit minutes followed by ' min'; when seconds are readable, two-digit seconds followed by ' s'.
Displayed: 7 h 05 min
